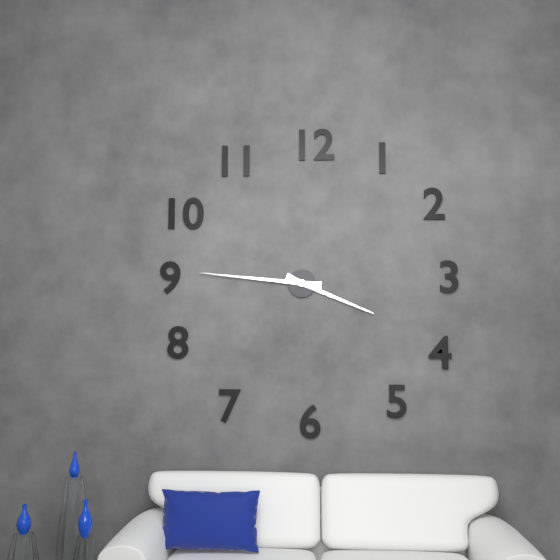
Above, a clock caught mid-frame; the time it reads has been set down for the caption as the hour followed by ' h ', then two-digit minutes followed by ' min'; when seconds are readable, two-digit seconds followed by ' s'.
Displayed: 3 h 46 min
